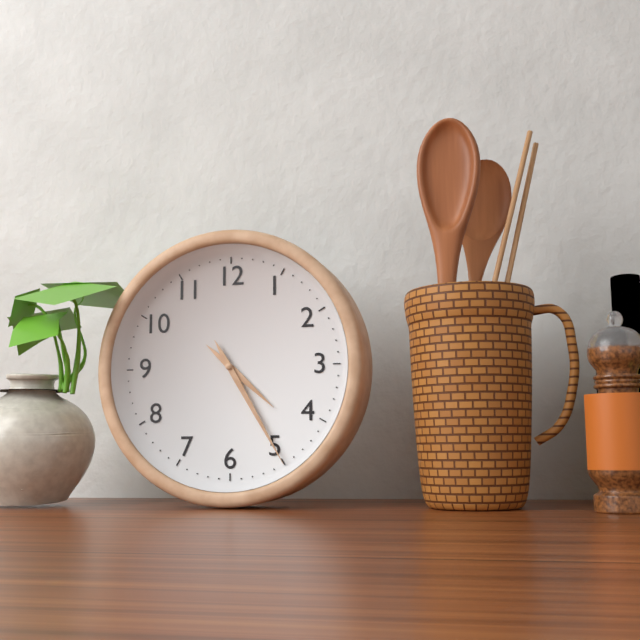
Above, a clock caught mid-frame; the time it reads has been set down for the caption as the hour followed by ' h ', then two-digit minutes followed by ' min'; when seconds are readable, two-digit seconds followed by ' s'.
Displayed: 4 h 25 min
